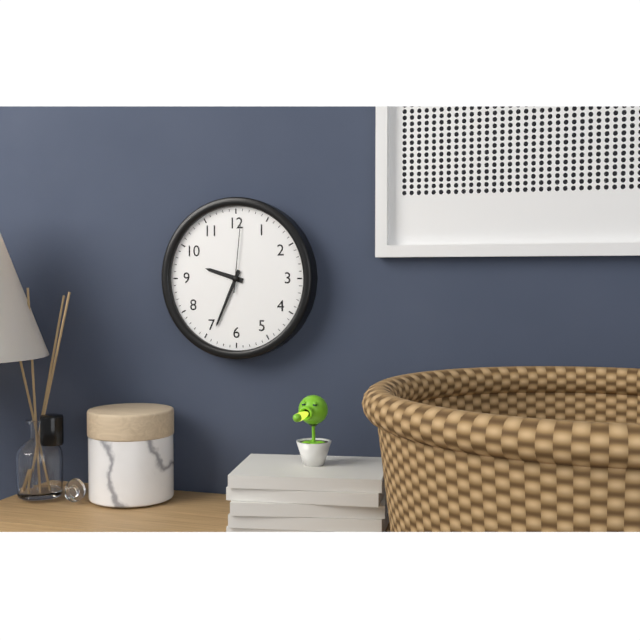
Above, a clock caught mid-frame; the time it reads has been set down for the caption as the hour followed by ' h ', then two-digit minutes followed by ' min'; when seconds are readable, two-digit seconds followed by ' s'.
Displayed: 9 h 34 min 01 s
